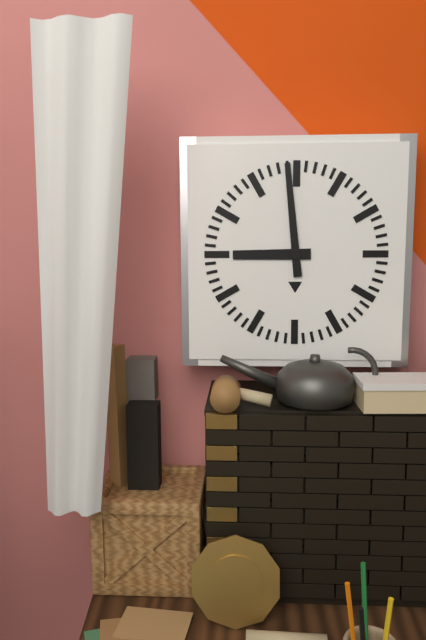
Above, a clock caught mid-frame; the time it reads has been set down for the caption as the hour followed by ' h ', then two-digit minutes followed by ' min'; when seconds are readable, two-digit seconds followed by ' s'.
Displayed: 8 h 59 min
